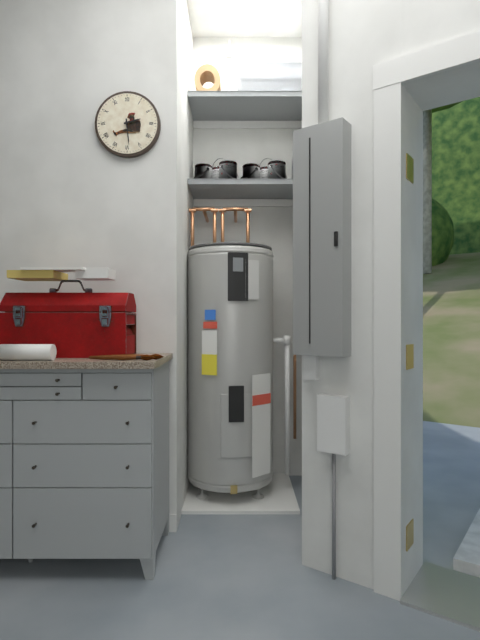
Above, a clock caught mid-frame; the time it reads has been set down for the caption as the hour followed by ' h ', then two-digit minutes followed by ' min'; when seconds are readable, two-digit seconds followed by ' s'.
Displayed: 2 h 29 min
